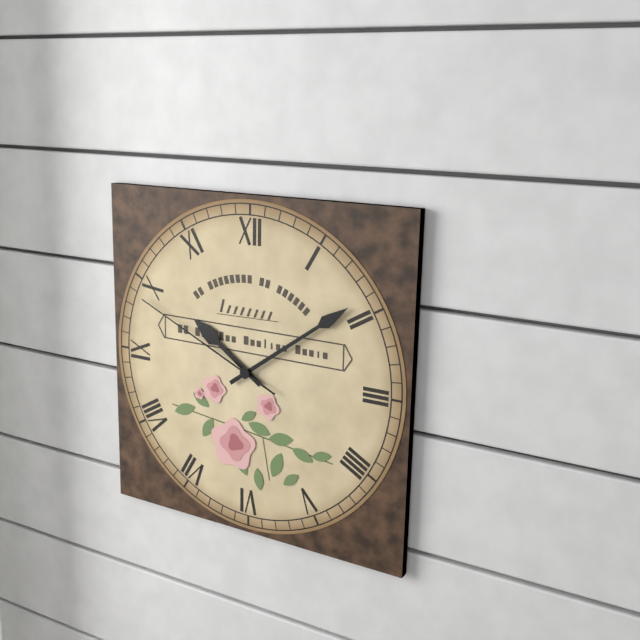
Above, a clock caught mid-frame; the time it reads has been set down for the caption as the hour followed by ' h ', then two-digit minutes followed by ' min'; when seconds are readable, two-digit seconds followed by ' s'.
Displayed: 10 h 09 min 49 s
